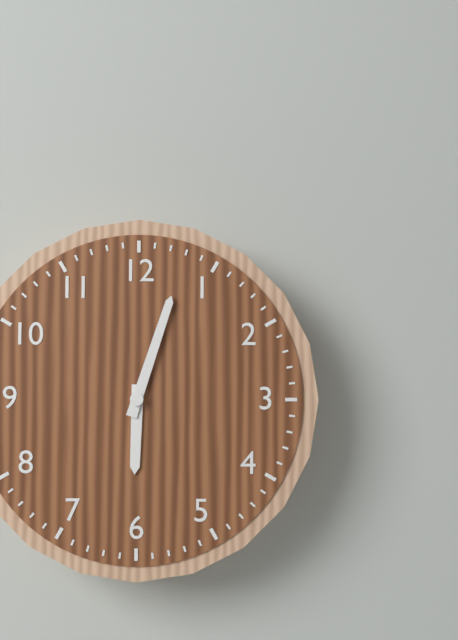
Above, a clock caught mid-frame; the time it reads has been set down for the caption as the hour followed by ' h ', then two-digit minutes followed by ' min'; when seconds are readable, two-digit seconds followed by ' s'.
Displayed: 6 h 03 min
